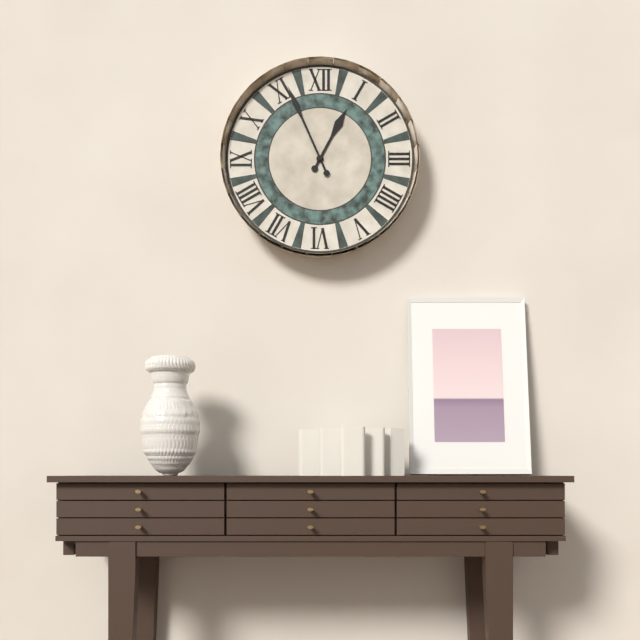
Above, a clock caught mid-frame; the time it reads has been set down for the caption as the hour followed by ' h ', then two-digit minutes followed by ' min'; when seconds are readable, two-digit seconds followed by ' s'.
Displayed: 12 h 56 min
